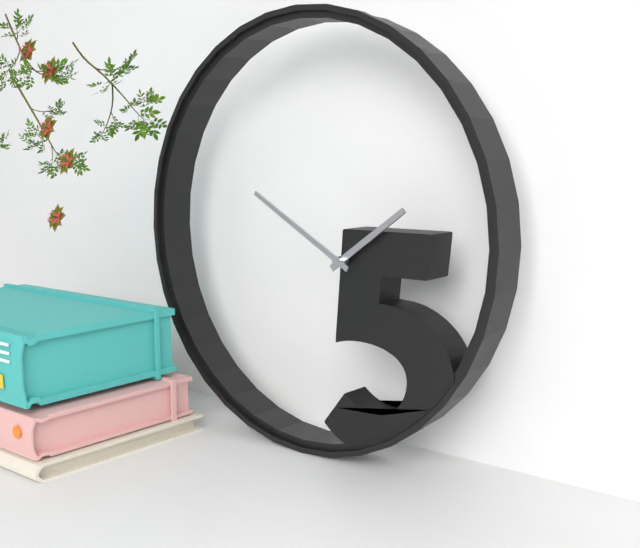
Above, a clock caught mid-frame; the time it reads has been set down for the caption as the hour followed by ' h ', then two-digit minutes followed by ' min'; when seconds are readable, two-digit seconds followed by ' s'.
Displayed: 1 h 50 min
